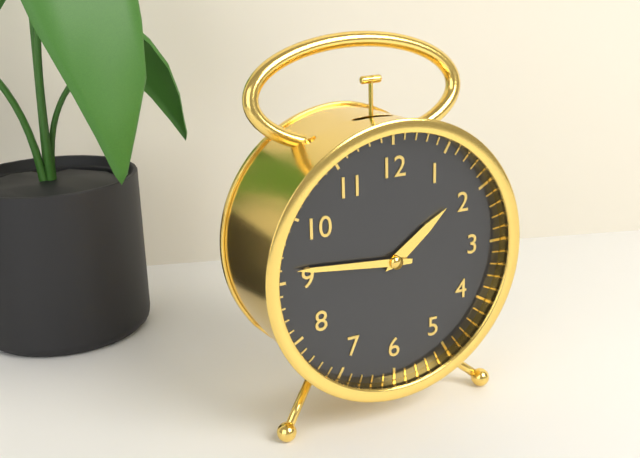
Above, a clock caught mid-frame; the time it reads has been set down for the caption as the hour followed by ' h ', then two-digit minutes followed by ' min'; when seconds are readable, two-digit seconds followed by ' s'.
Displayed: 1 h 46 min
